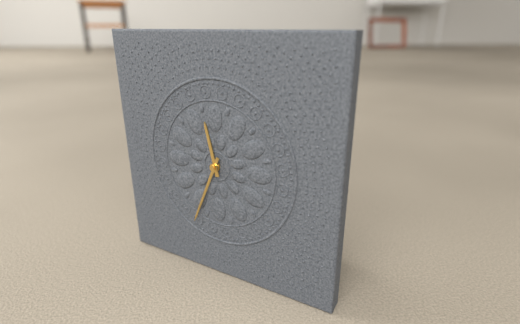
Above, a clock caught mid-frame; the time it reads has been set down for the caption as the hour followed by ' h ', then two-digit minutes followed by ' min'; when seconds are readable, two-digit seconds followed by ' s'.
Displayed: 11 h 34 min
